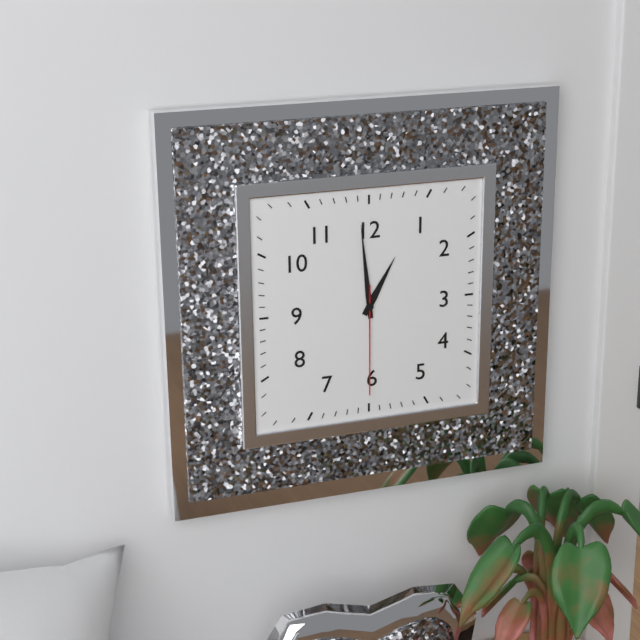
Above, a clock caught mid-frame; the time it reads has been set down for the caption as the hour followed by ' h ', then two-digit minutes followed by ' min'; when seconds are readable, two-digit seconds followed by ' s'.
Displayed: 12 h 59 min 30 s
